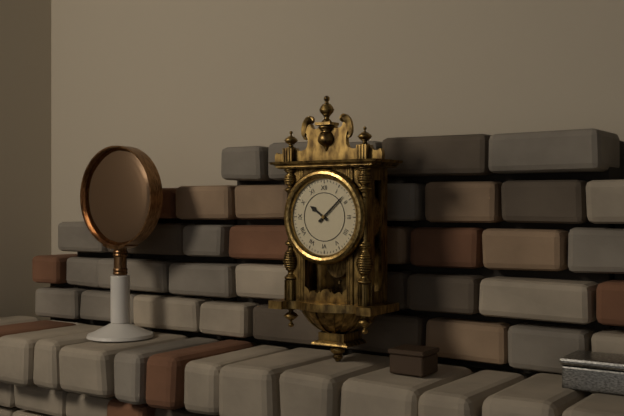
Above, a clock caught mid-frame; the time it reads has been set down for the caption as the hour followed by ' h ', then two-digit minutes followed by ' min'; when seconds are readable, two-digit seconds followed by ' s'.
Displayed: 10 h 08 min
